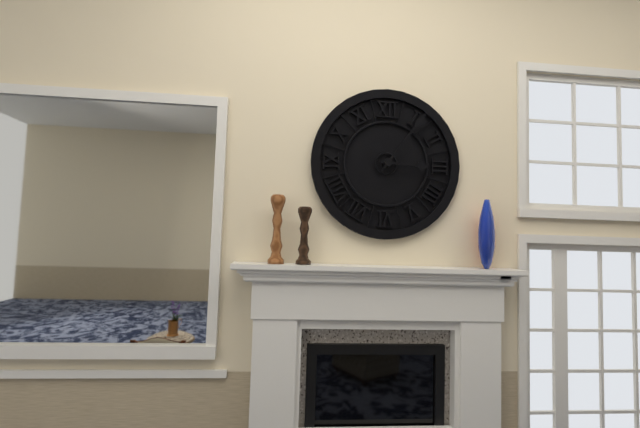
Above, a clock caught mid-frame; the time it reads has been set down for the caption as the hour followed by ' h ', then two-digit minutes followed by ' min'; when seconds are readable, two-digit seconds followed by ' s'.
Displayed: 3 h 06 min
